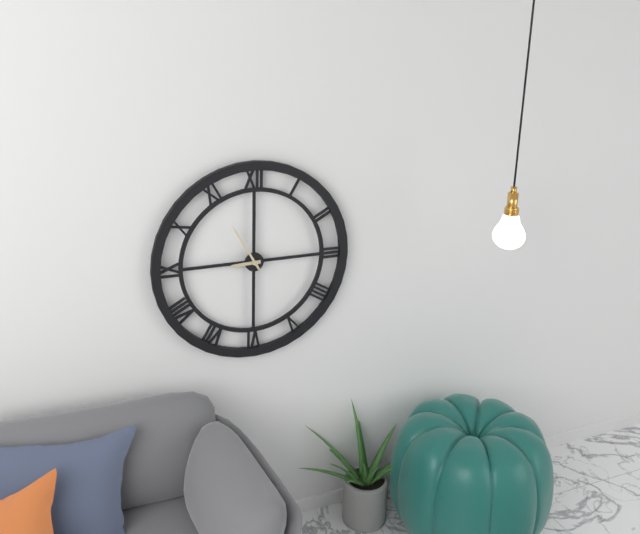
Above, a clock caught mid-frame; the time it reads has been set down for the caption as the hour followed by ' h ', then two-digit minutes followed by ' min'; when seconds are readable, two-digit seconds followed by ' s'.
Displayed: 8 h 55 min
